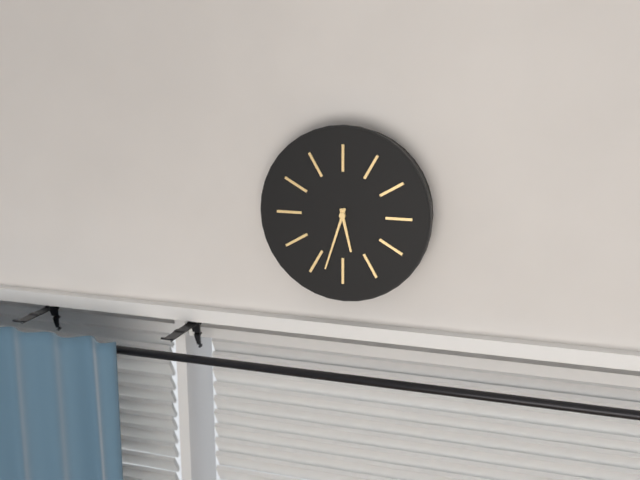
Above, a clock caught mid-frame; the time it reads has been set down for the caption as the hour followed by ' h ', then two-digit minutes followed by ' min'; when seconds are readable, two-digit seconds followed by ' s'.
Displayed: 5 h 33 min
